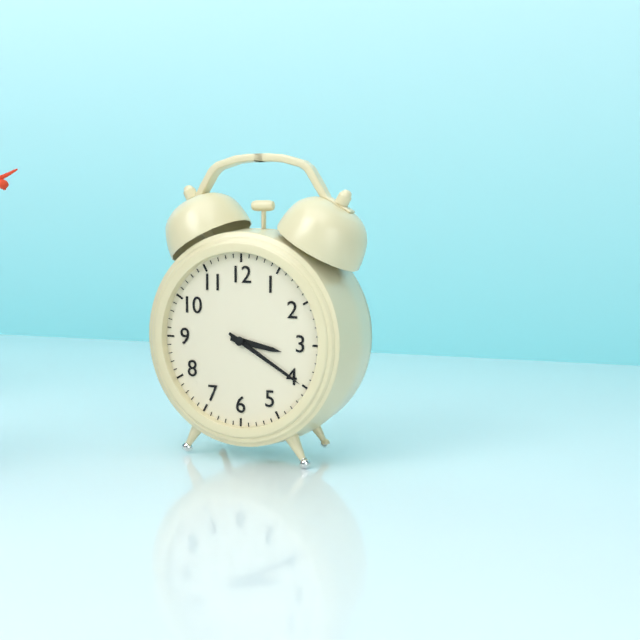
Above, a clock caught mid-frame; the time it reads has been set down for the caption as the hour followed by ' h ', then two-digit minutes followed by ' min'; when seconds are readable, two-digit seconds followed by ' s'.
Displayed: 3 h 20 min
